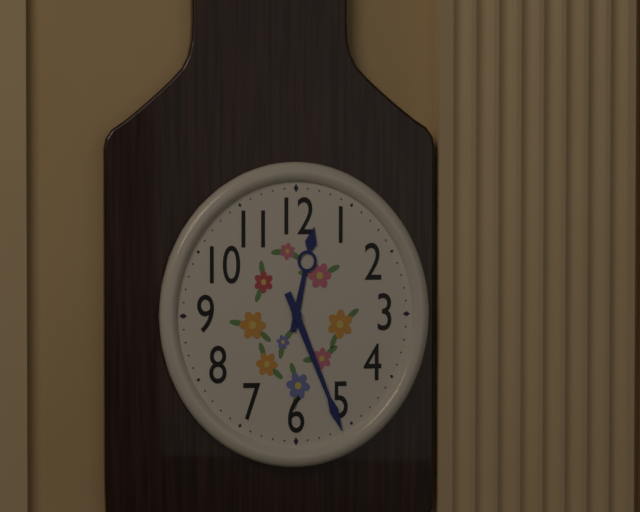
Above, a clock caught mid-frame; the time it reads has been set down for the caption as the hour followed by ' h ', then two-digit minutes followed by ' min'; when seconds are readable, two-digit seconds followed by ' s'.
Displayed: 12 h 26 min
